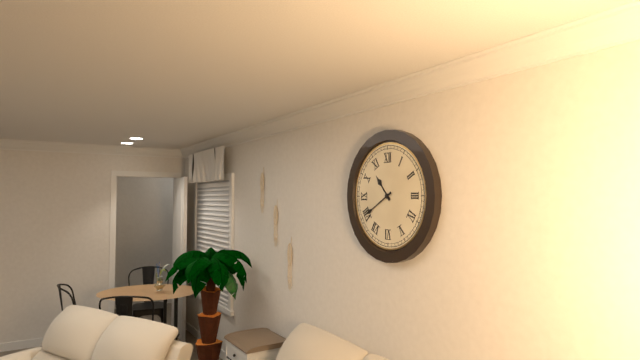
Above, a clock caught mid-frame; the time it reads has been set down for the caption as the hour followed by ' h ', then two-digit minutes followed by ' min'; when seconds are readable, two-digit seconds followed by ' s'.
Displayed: 10 h 40 min
